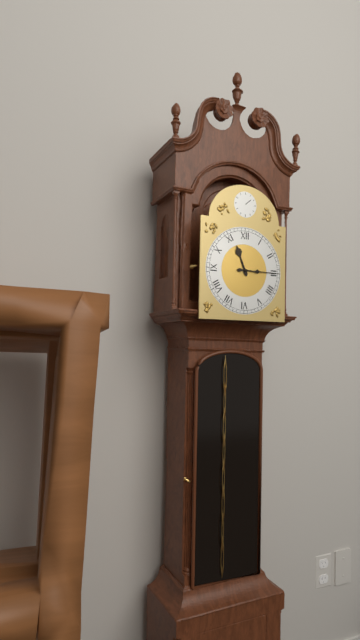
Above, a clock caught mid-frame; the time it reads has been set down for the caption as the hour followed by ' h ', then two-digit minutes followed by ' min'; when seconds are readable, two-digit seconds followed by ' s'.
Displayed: 11 h 15 min
